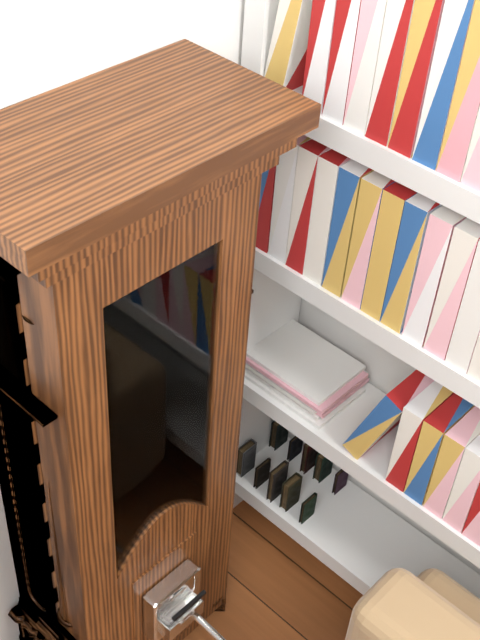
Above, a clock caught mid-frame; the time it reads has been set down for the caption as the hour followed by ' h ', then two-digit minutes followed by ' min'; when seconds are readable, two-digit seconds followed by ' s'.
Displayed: 12 h 22 min
